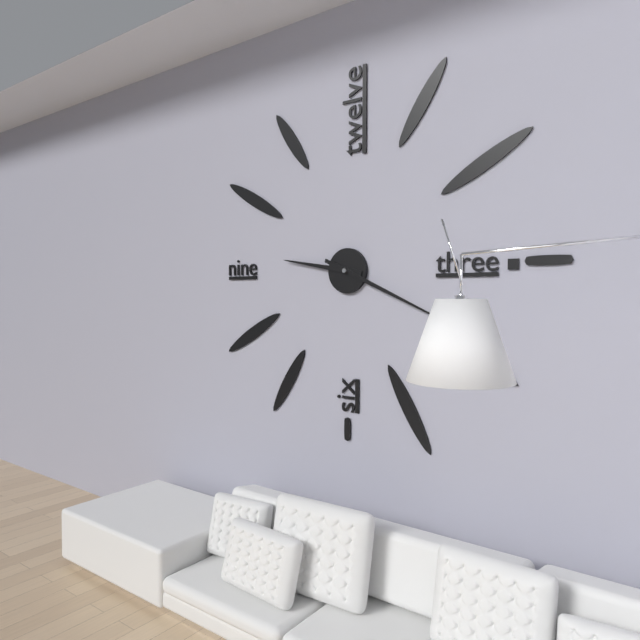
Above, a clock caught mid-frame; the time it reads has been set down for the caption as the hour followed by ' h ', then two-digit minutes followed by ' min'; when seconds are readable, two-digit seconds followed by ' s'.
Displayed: 9 h 19 min
